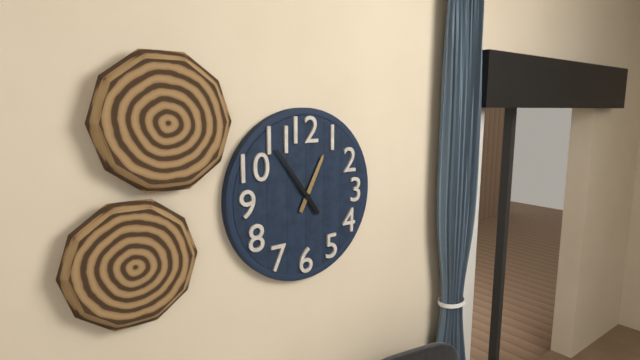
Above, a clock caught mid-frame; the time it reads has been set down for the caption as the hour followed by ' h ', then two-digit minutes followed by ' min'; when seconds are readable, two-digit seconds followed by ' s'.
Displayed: 12 h 54 min
